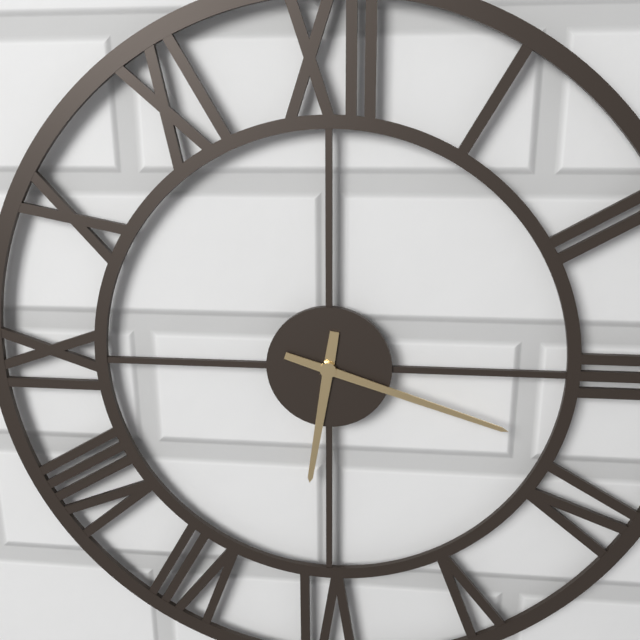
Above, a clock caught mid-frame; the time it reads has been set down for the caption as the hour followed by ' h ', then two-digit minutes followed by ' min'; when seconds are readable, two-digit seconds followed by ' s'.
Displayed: 6 h 18 min
